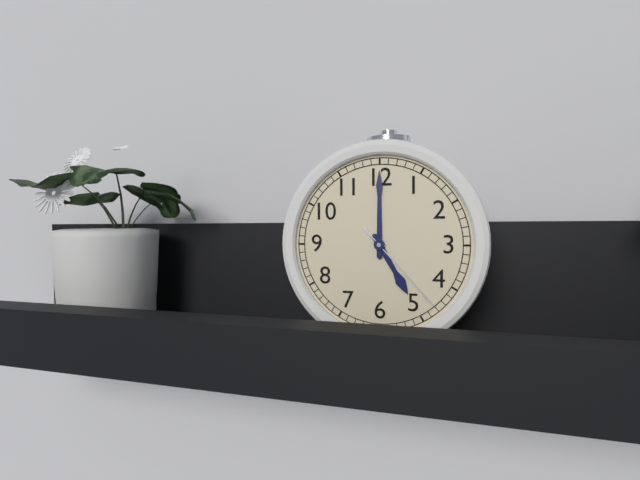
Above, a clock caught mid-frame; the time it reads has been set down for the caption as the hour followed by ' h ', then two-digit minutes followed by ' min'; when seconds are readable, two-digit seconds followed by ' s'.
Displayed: 5 h 00 min 23 s
